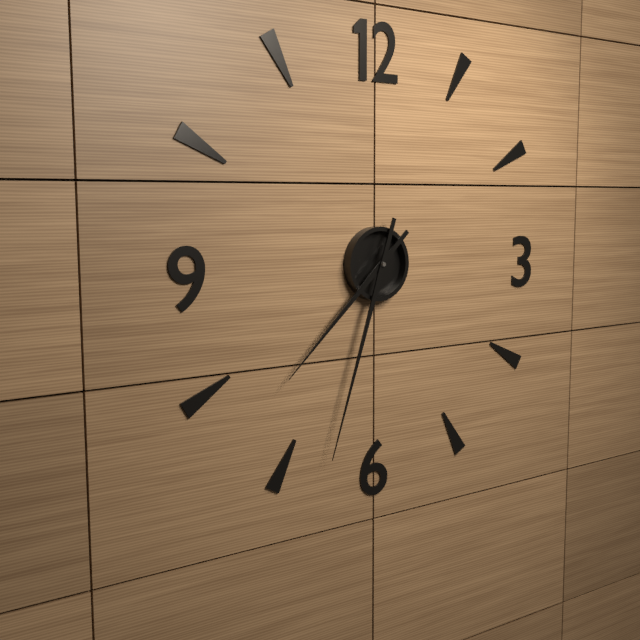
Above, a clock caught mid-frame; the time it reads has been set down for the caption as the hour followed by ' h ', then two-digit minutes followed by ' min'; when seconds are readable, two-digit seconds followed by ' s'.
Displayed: 7 h 33 min
